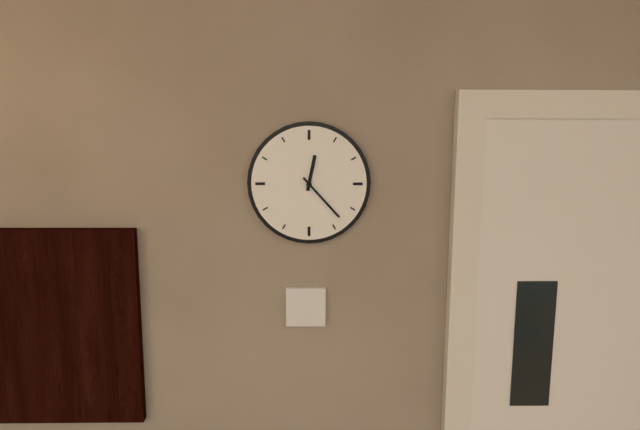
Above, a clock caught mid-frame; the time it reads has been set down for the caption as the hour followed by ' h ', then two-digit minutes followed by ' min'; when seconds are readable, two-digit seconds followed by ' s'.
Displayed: 12 h 23 min
